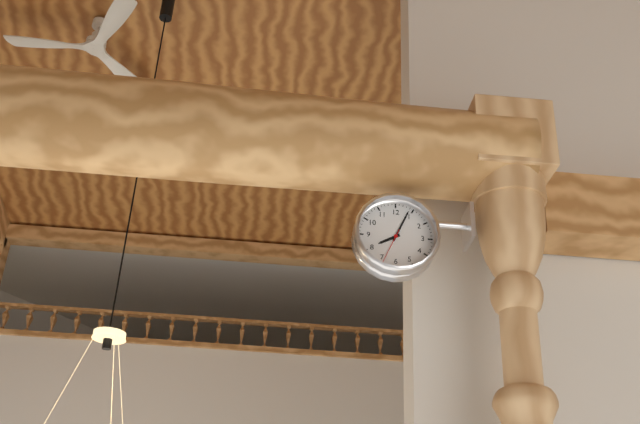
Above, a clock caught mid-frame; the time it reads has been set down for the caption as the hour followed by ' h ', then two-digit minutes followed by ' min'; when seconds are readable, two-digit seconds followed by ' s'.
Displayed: 8 h 04 min
